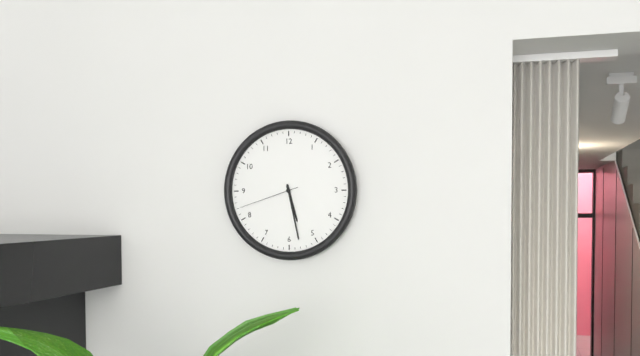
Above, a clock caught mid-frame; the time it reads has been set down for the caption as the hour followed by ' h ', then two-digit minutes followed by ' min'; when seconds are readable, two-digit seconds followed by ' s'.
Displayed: 5 h 28 min 42 s
